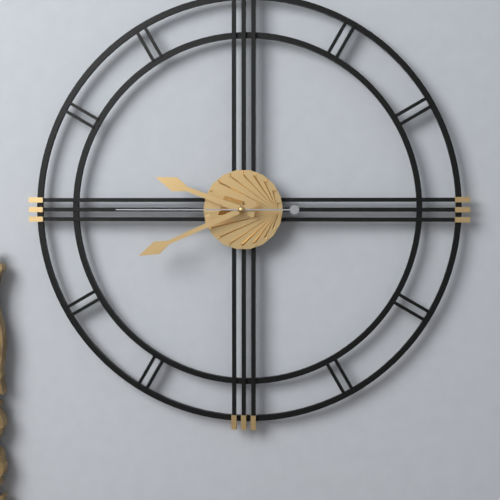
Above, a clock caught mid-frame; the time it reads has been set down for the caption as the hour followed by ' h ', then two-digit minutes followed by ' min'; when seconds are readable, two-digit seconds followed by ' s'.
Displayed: 9 h 41 min 45 s
